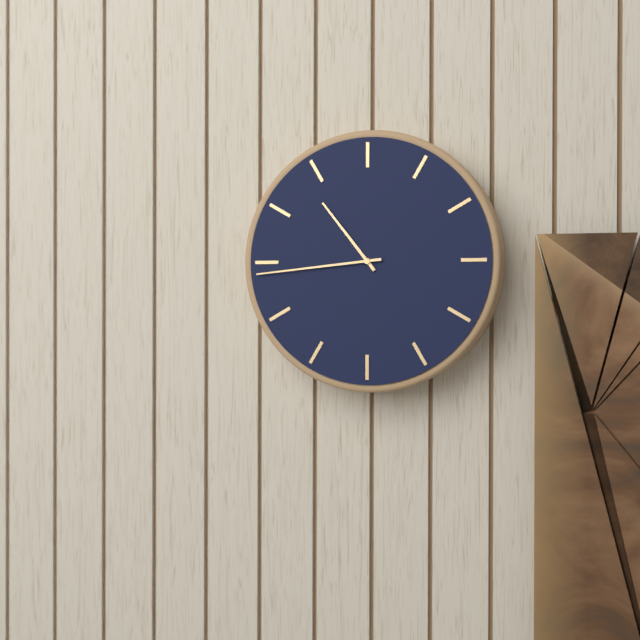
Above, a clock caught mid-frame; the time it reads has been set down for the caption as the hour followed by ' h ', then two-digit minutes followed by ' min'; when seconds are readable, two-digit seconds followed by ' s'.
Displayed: 10 h 44 min
